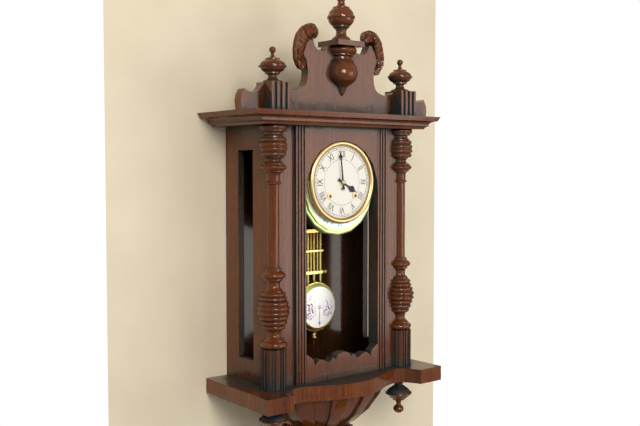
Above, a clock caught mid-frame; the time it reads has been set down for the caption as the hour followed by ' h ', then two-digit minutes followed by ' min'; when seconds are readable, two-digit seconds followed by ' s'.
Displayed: 3 h 59 min
